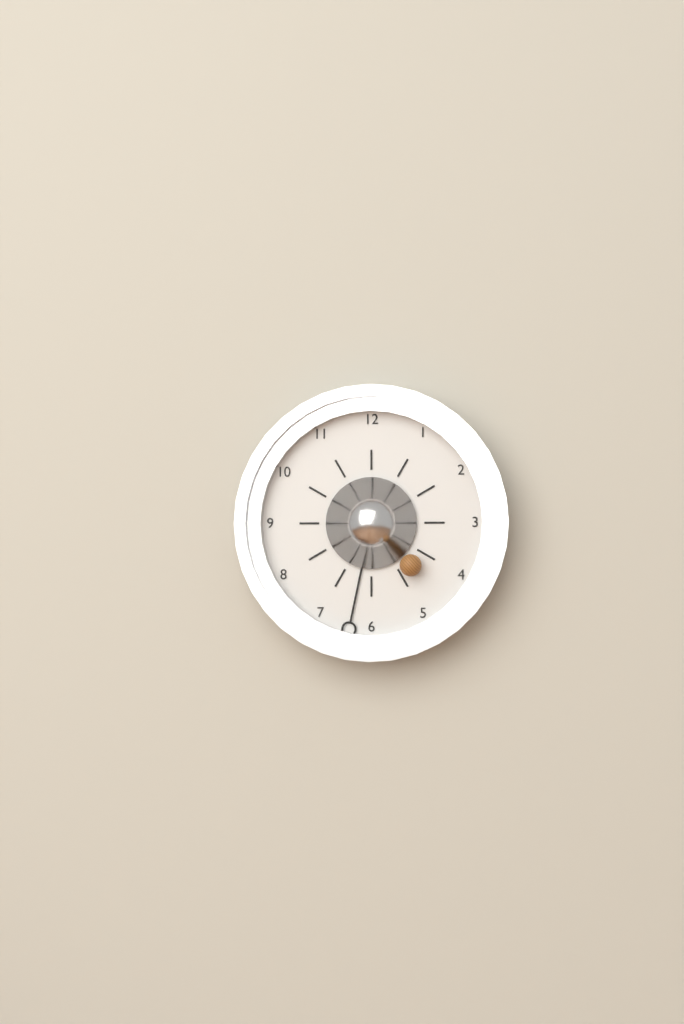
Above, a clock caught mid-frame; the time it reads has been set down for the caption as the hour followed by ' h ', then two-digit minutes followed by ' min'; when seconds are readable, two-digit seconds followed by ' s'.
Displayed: 4 h 32 min
